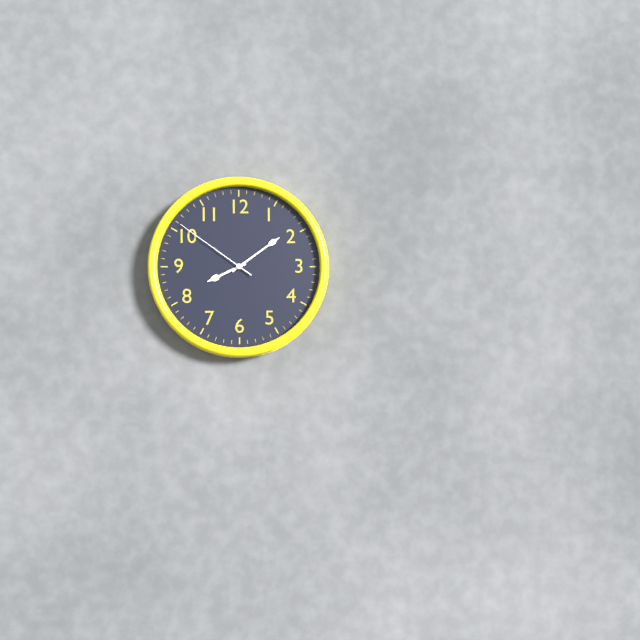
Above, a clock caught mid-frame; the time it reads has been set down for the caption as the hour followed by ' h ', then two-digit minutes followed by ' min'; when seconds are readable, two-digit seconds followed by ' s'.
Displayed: 8 h 09 min 51 s
